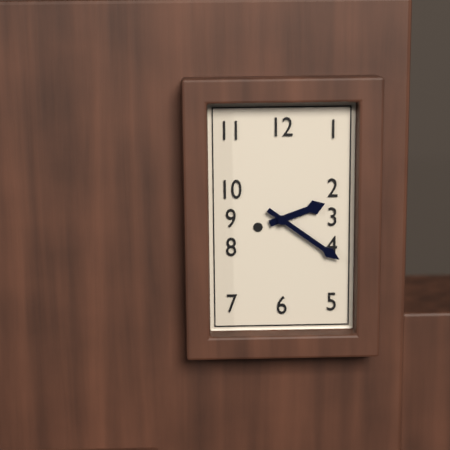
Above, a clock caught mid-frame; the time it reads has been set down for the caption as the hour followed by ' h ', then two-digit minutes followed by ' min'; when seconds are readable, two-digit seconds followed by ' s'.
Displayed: 2 h 21 min
